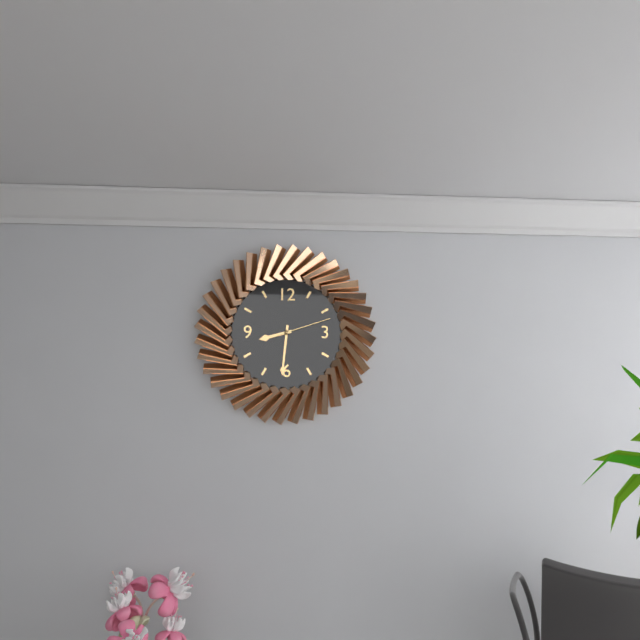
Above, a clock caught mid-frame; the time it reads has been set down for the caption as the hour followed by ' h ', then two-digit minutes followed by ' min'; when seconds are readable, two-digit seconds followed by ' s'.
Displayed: 8 h 31 min 12 s
